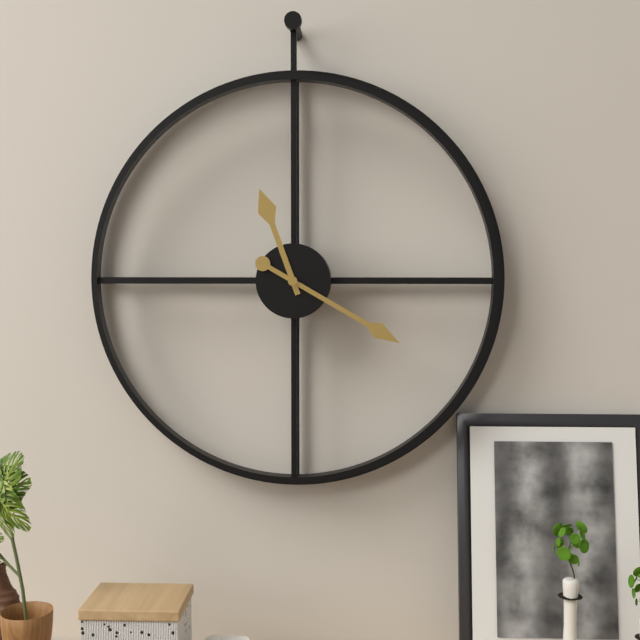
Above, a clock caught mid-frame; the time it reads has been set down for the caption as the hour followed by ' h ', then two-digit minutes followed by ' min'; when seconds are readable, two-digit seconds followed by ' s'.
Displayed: 11 h 20 min
